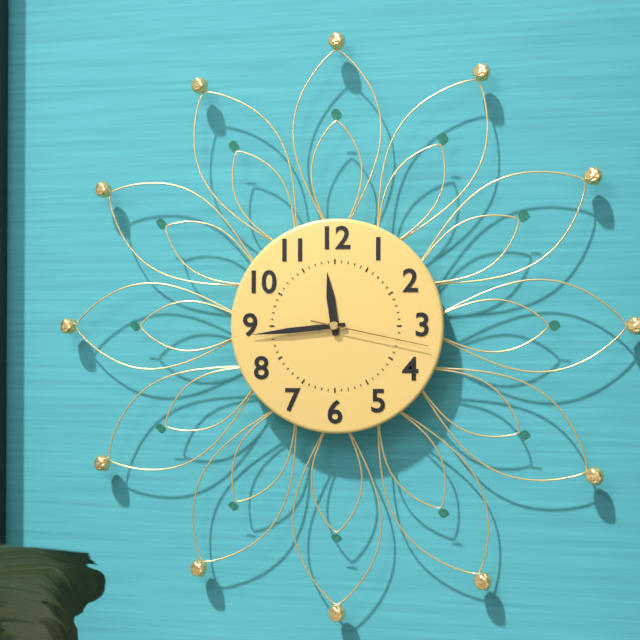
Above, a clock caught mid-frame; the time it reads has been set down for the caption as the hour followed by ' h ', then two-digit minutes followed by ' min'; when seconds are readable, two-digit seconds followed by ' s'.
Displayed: 11 h 44 min 17 s
